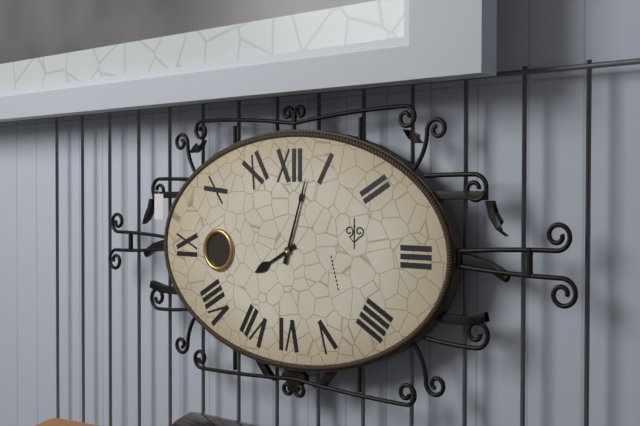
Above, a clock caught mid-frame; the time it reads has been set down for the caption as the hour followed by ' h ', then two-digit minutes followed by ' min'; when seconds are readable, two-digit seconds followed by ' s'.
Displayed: 8 h 03 min
